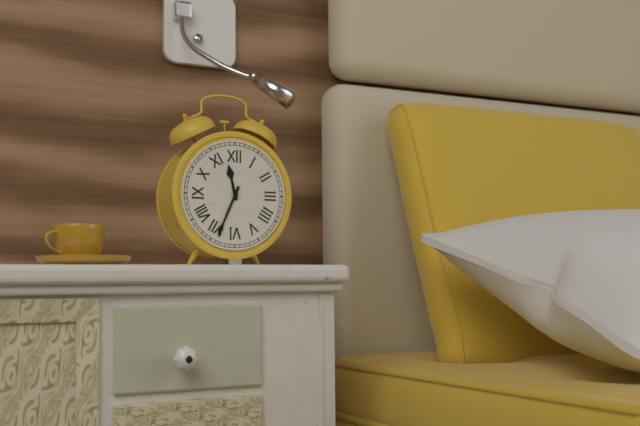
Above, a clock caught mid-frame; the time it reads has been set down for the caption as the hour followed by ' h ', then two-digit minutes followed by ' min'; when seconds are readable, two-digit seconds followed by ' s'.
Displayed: 11 h 34 min
